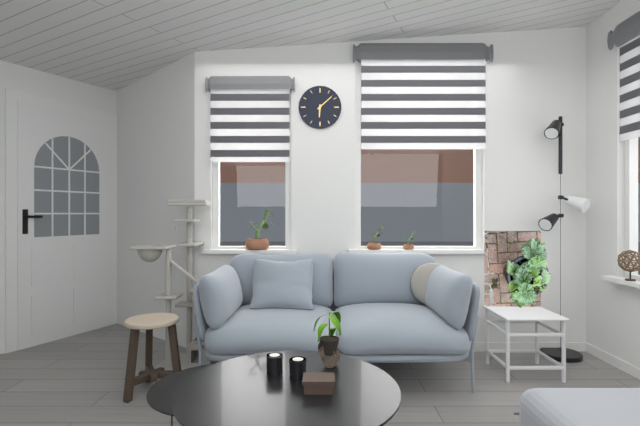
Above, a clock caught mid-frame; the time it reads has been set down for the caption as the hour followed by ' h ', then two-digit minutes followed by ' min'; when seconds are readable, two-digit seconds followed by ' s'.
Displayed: 6 h 08 min
